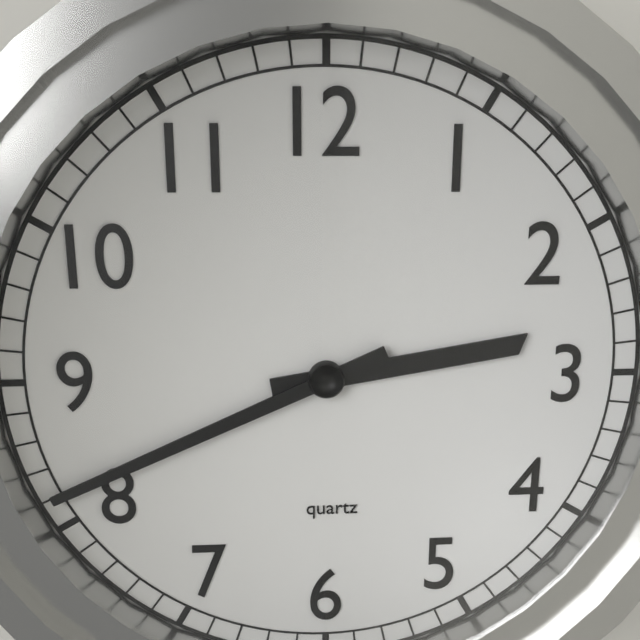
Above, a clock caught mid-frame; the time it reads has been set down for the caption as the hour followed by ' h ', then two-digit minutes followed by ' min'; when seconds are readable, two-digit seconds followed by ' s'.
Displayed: 2 h 41 min
